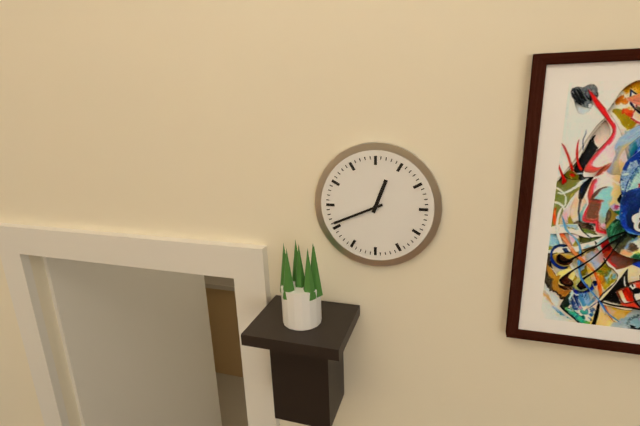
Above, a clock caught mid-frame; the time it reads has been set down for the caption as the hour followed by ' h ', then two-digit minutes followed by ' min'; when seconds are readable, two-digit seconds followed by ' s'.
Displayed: 12 h 41 min
